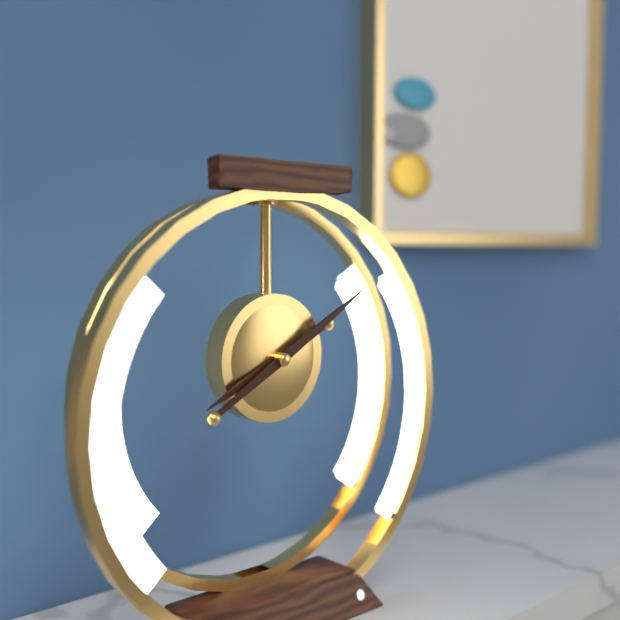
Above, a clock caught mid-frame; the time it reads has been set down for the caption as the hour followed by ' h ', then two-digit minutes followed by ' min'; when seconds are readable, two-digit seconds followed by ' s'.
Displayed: 8 h 10 min
